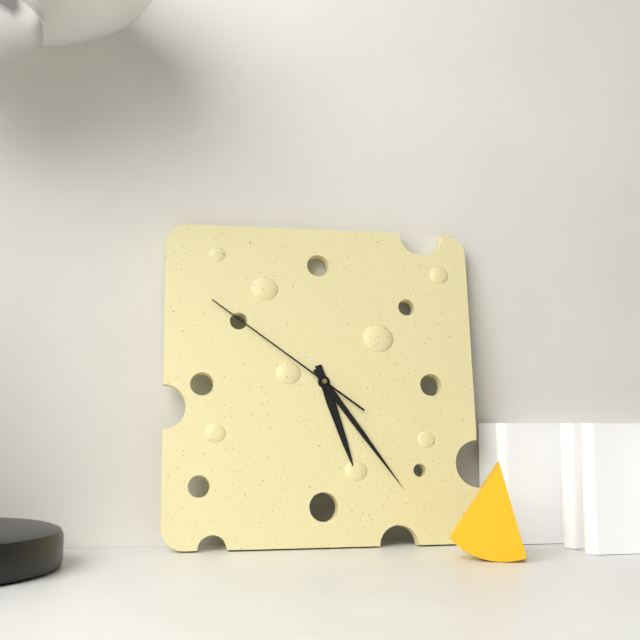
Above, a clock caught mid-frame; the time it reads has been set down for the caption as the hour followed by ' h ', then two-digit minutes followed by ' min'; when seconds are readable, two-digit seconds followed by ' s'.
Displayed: 5 h 24 min 51 s
